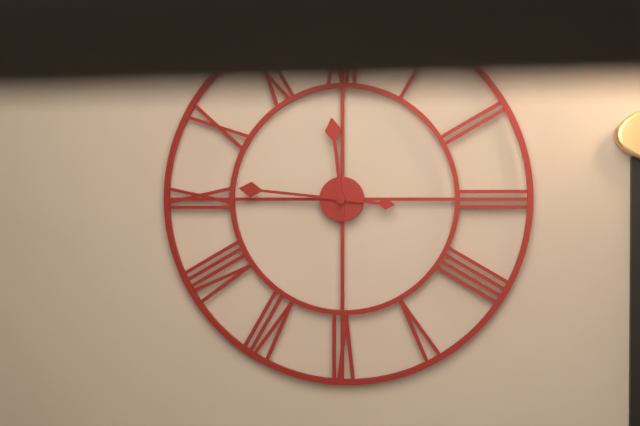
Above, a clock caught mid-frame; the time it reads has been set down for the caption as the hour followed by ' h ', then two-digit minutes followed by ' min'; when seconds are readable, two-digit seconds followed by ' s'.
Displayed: 11 h 46 min
